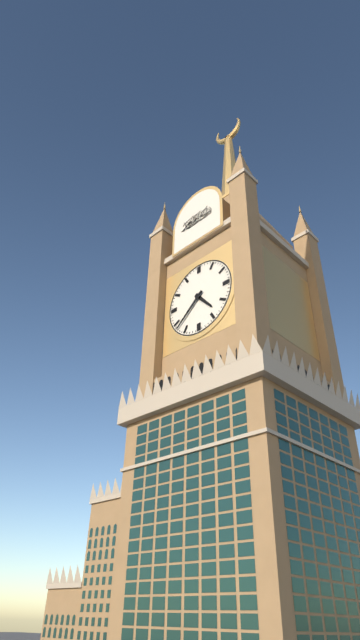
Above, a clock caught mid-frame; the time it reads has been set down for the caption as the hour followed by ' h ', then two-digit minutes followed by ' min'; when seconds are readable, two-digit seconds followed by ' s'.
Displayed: 4 h 38 min
